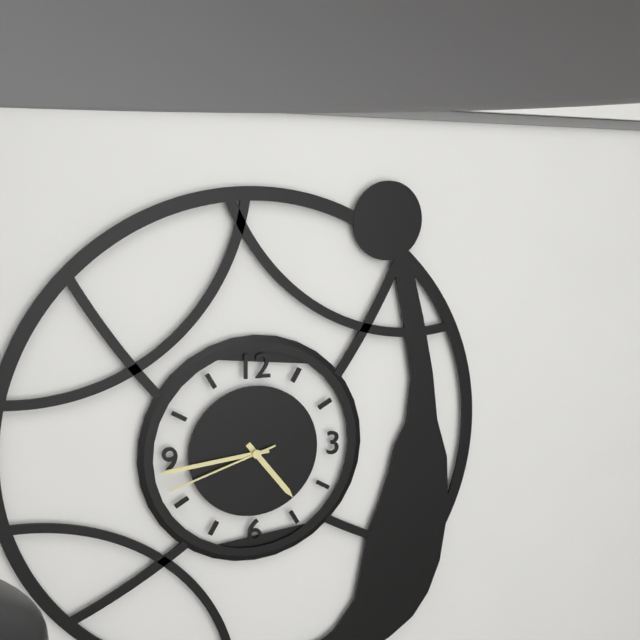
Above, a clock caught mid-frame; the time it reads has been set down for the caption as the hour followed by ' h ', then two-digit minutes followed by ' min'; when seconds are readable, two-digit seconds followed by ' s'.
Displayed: 4 h 44 min 42 s
